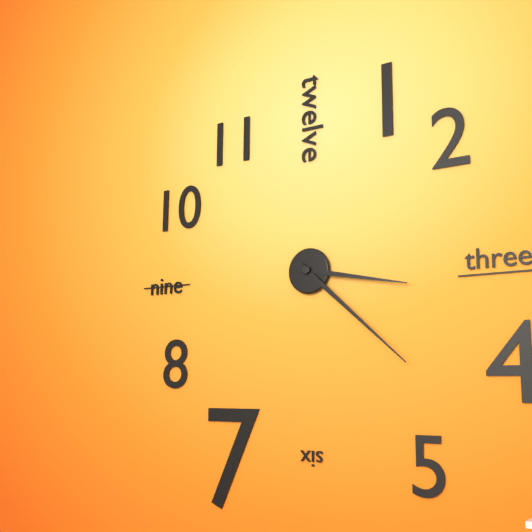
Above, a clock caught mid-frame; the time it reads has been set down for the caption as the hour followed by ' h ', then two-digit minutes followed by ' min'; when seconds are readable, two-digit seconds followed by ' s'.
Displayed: 3 h 22 min
